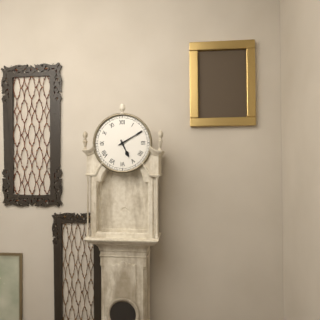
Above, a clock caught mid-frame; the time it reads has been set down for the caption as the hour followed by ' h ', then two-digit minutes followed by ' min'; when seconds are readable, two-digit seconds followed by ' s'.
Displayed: 5 h 10 min
